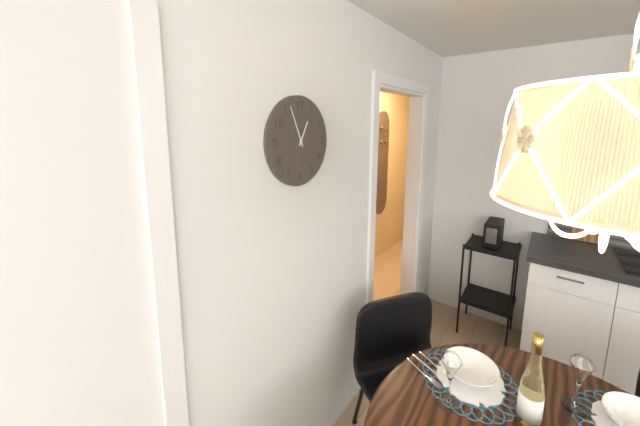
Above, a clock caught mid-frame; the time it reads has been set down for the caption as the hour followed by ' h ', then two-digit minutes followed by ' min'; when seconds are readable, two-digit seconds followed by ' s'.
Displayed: 12 h 56 min
